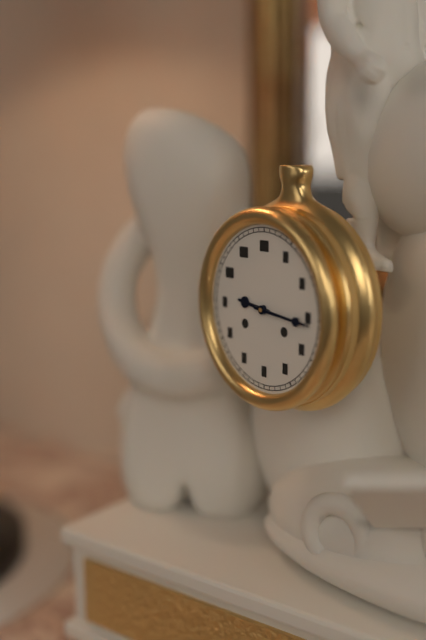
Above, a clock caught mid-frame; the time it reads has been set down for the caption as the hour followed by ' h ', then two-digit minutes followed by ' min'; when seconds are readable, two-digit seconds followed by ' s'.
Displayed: 9 h 16 min
